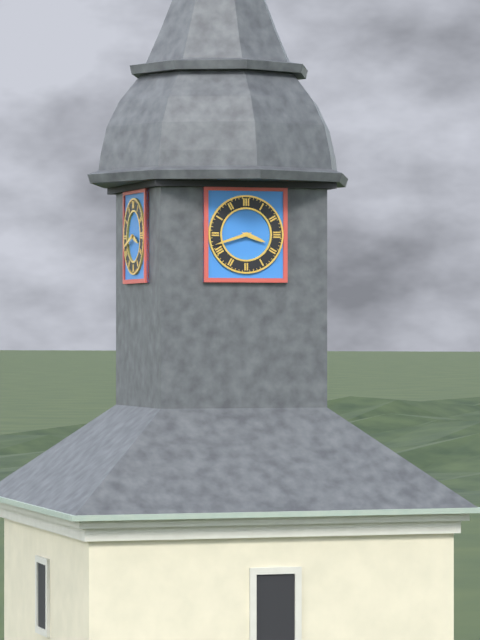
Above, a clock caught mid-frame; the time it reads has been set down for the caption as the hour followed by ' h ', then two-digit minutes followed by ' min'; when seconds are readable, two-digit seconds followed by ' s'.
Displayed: 3 h 42 min
